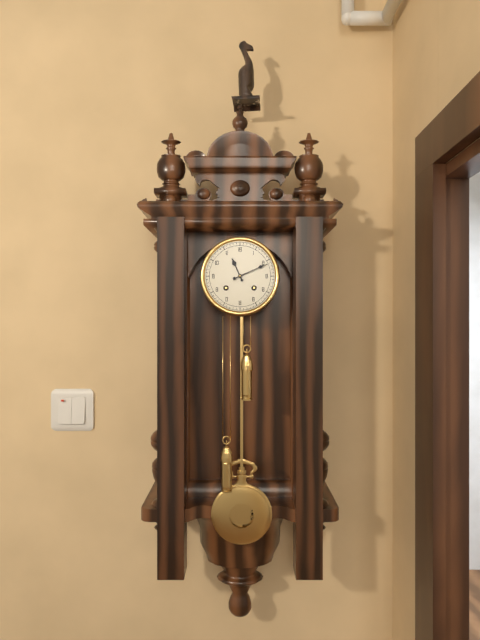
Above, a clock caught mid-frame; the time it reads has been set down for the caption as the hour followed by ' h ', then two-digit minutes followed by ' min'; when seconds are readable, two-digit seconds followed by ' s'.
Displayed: 11 h 11 min
